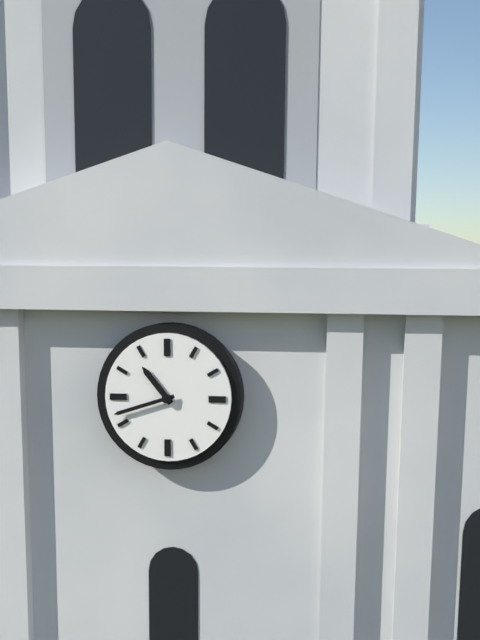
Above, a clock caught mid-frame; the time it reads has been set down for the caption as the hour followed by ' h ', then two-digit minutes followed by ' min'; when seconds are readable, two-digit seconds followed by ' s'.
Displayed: 10 h 42 min
